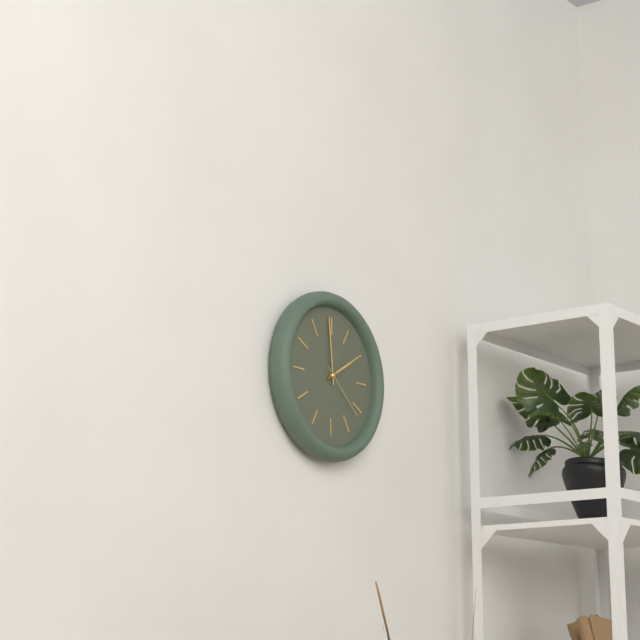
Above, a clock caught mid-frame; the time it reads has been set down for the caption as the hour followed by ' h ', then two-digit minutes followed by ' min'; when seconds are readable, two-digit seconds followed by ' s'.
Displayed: 1 h 59 min 22 s
